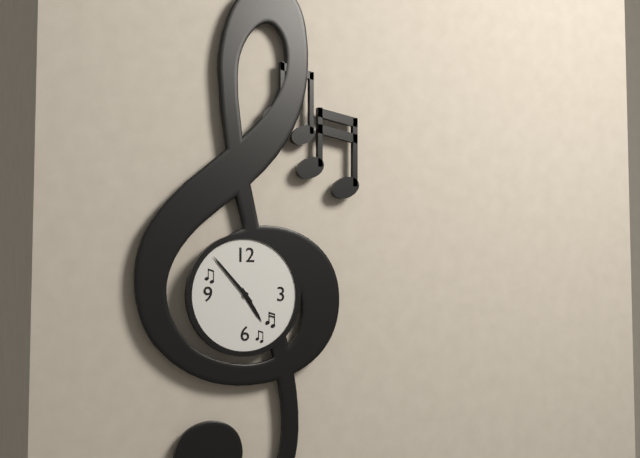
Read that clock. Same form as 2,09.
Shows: 4,53
